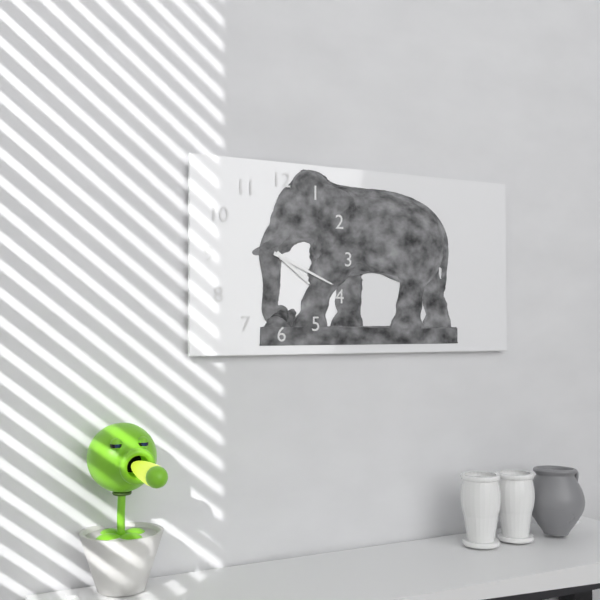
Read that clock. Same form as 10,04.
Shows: 4,19
